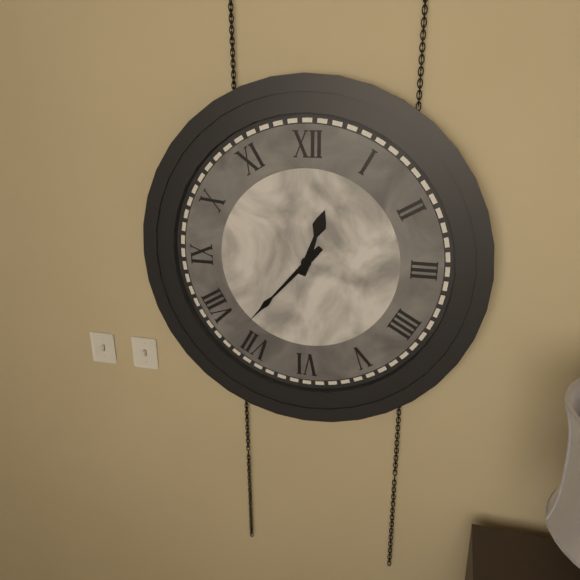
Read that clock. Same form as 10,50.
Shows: 12,37
